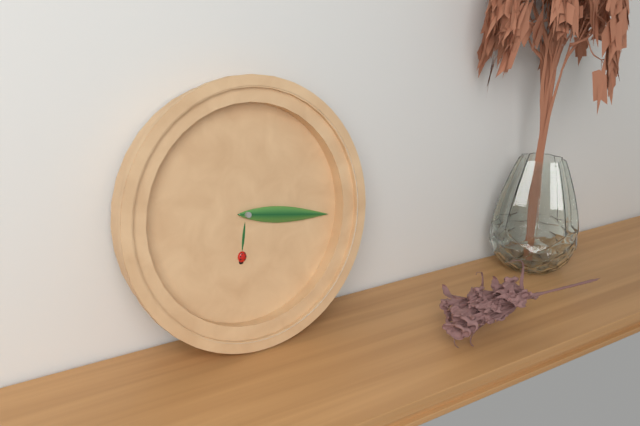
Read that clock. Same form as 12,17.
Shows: 6,16
